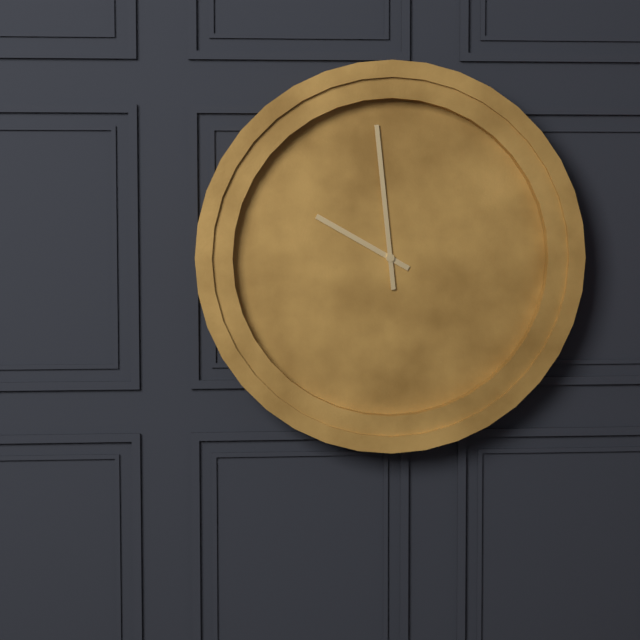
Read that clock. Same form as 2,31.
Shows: 9,59
